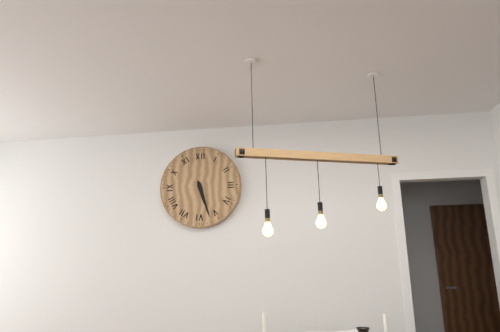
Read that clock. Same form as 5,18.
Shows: 5,27
